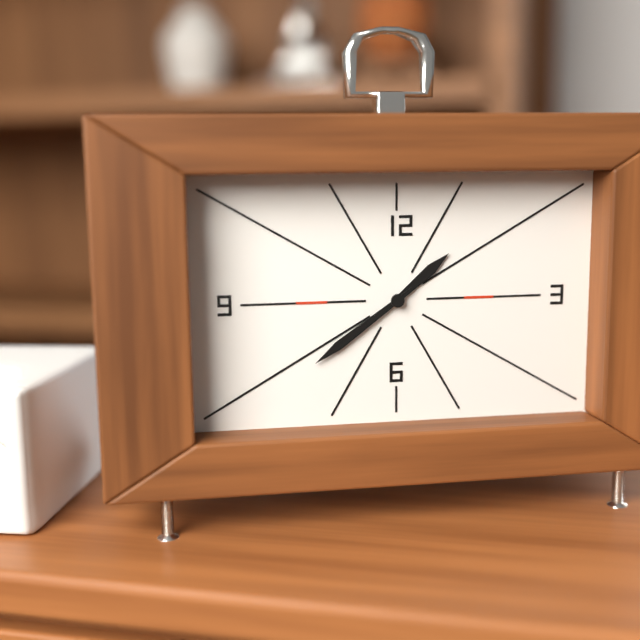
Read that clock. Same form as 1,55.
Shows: 1,39
